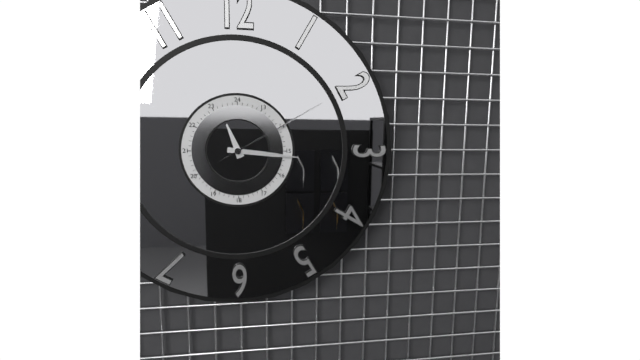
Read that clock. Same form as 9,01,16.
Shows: 11,16,10
